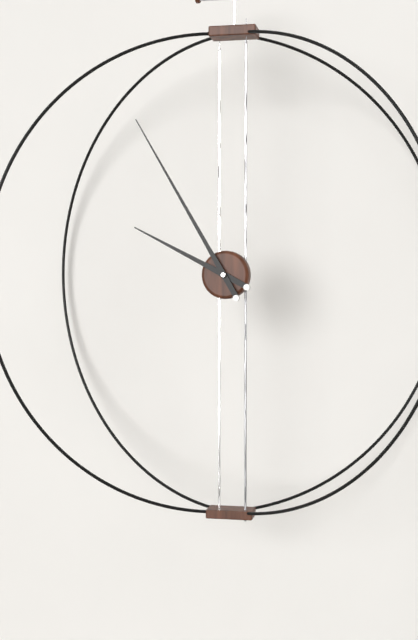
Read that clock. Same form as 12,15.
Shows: 9,55
